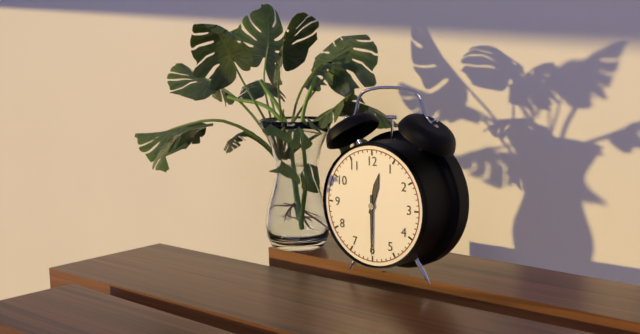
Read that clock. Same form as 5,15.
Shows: 12,30
